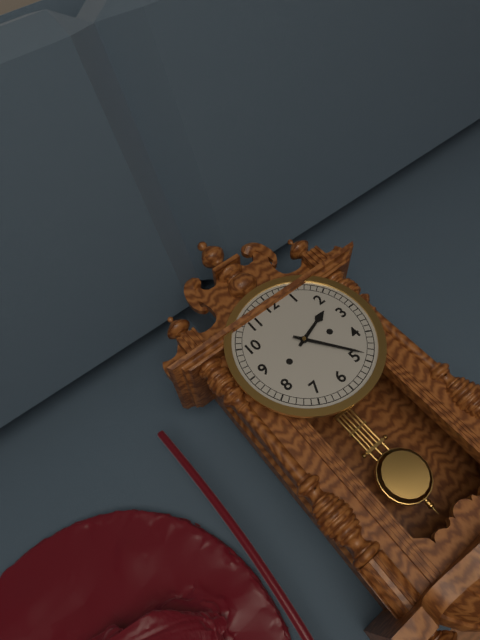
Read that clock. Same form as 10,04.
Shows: 2,24
